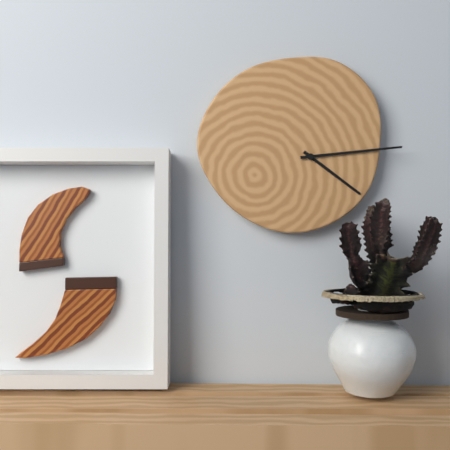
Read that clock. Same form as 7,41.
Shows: 4,14
